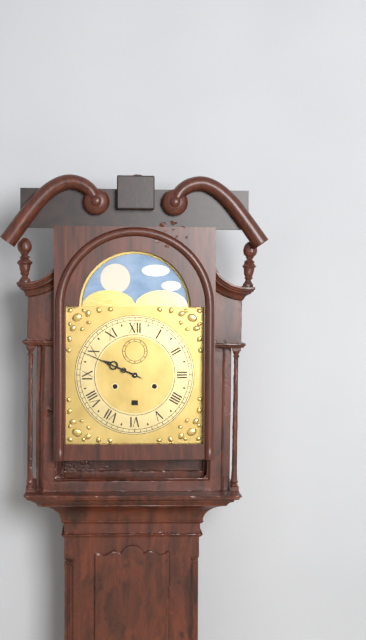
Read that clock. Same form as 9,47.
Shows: 9,49
